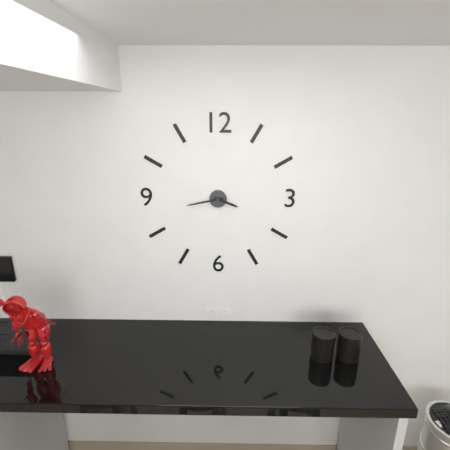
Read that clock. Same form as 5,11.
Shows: 3,43
